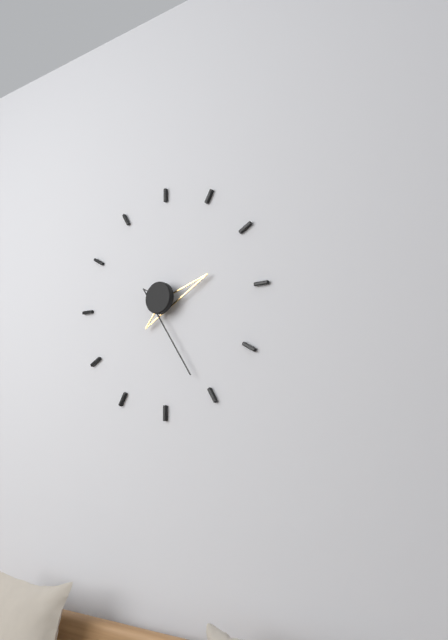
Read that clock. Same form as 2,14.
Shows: 2,26
